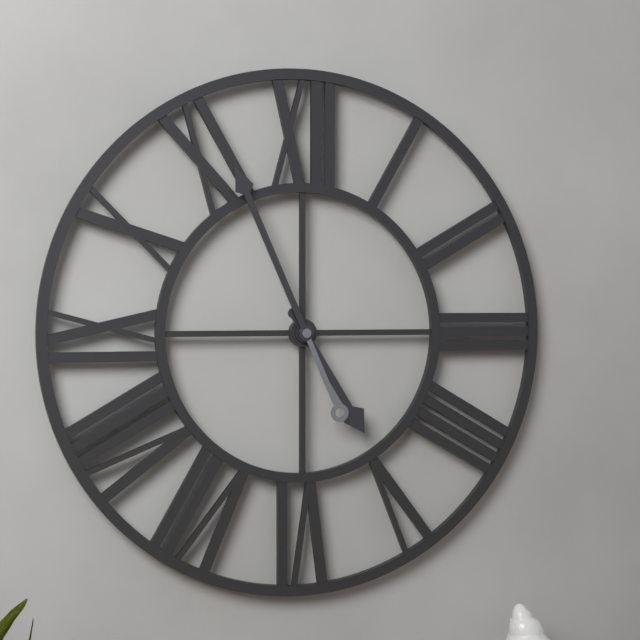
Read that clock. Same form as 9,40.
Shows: 4,56
